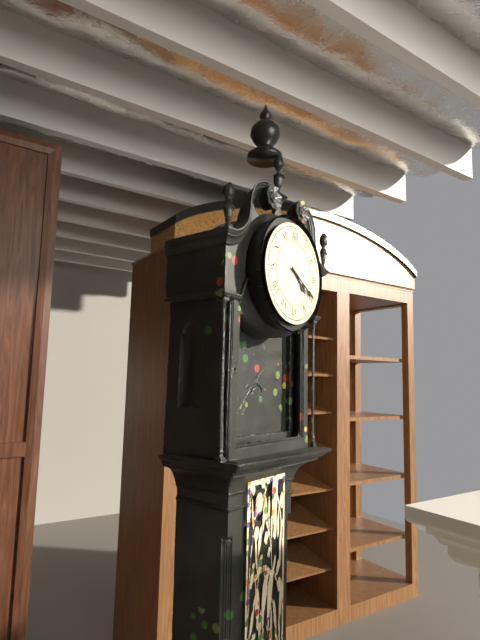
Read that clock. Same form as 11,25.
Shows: 4,20
